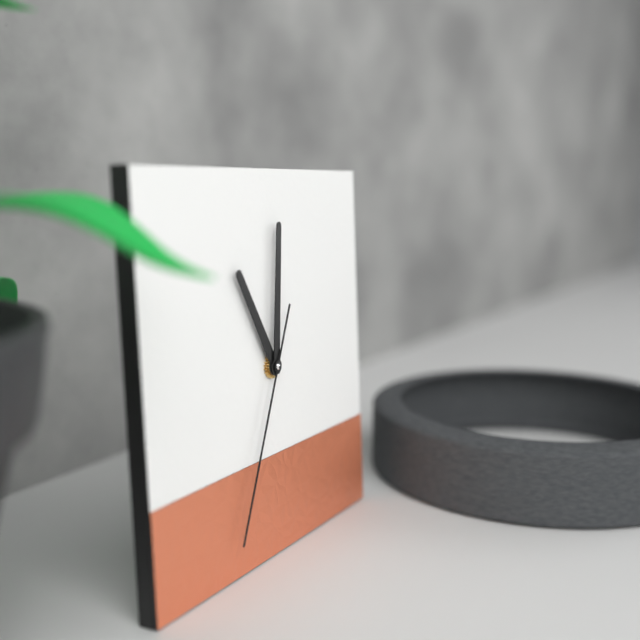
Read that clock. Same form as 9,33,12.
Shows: 11,01,34
